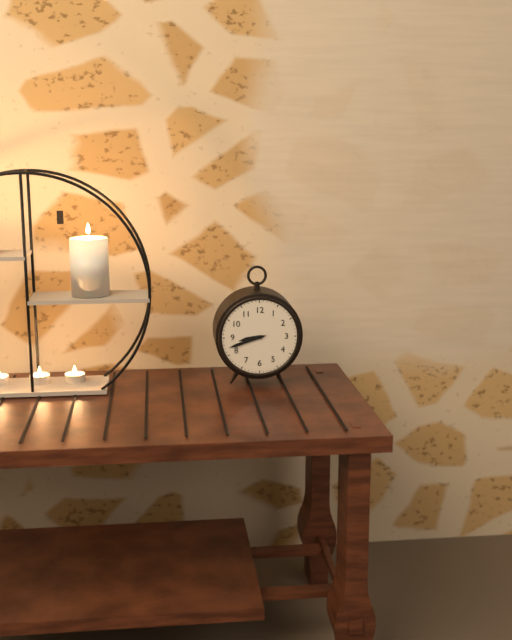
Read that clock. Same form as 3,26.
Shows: 8,42
